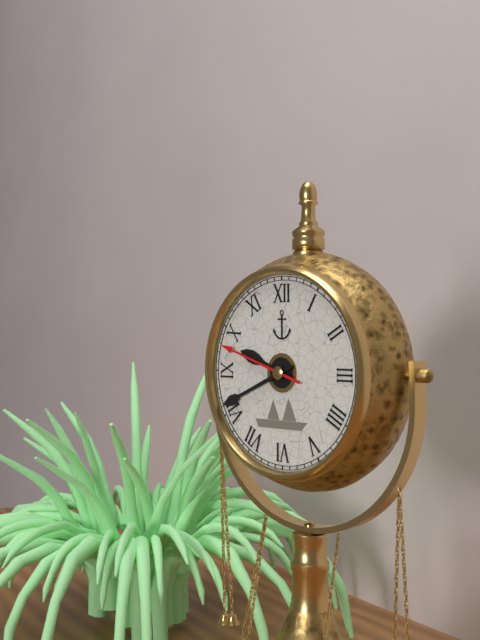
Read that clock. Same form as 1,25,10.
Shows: 9,41,48
